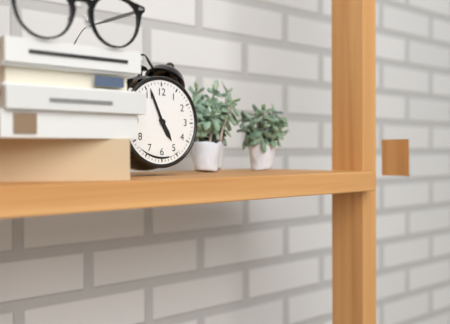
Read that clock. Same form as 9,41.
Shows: 4,56
